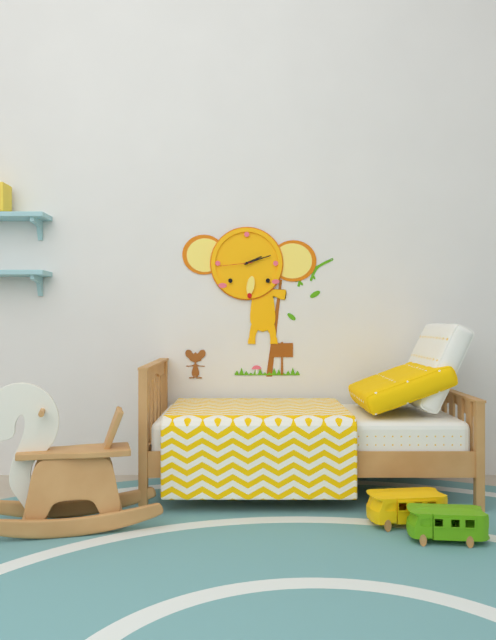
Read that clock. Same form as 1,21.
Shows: 2,12
